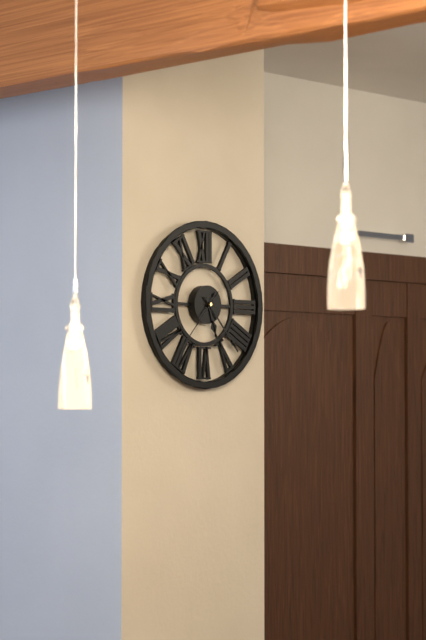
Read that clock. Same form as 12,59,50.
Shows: 5,23,37
